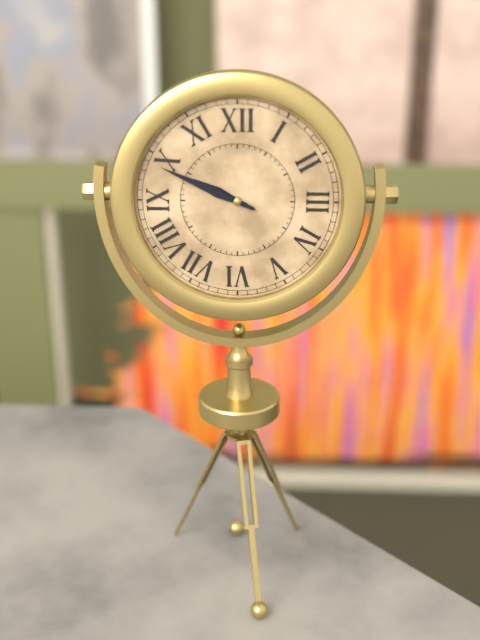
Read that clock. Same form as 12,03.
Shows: 9,49
